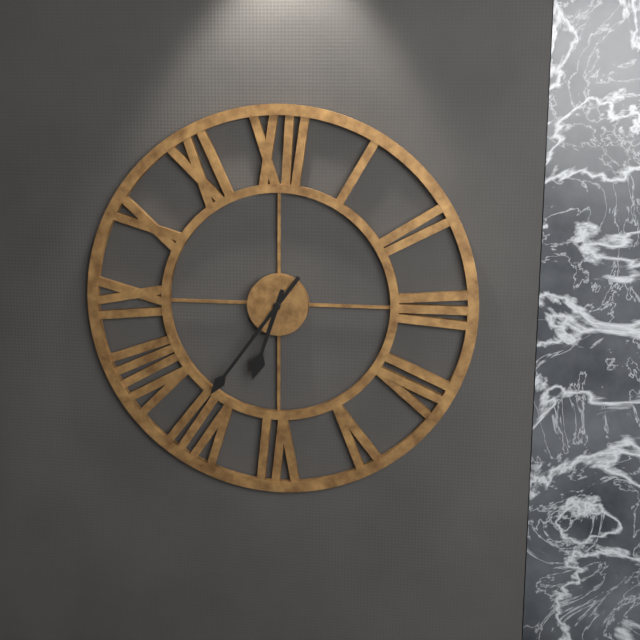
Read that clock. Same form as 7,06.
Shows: 6,36
